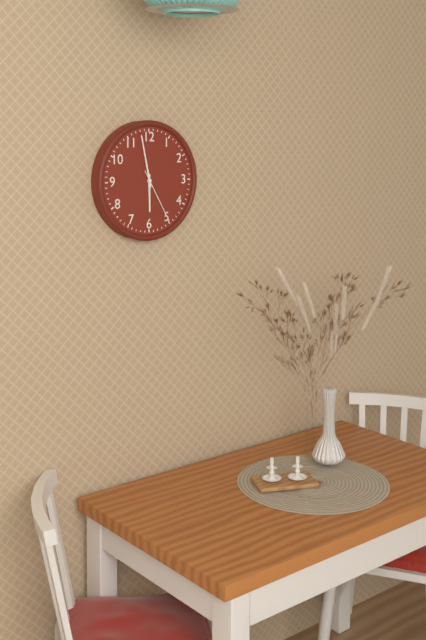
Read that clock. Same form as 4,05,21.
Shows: 5,58,25
